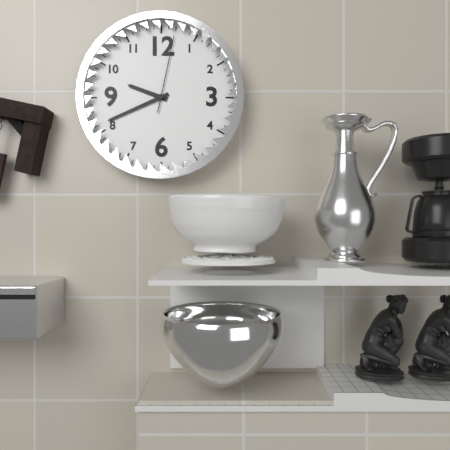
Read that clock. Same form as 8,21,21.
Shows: 9,41,02
